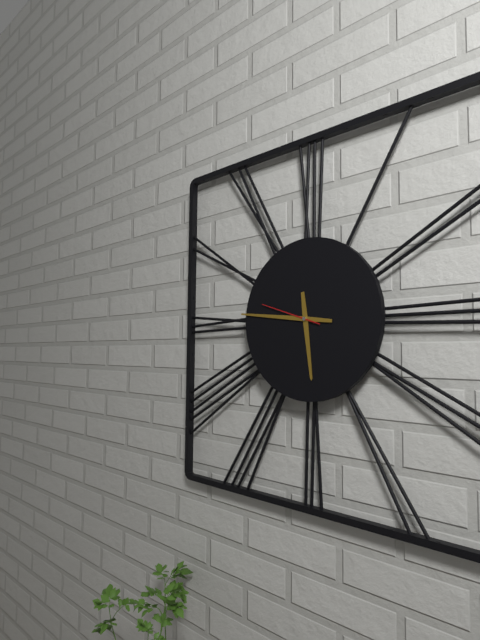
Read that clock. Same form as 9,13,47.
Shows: 5,46,48
